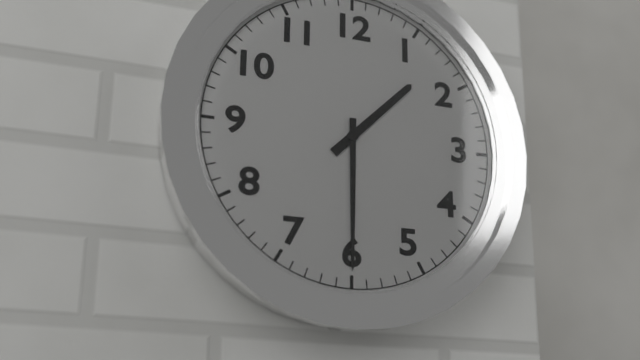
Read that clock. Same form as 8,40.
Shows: 1,30
